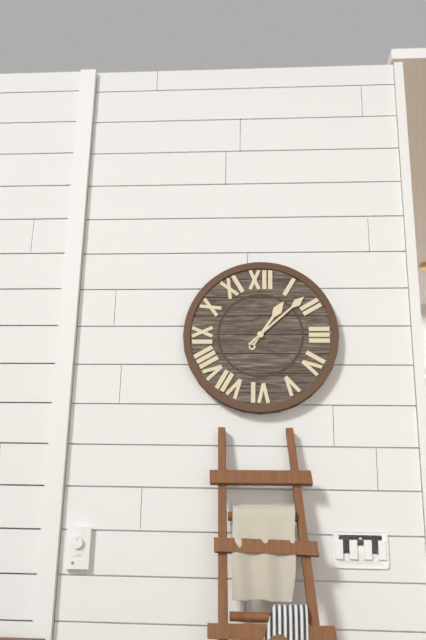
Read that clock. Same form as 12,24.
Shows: 1,08
